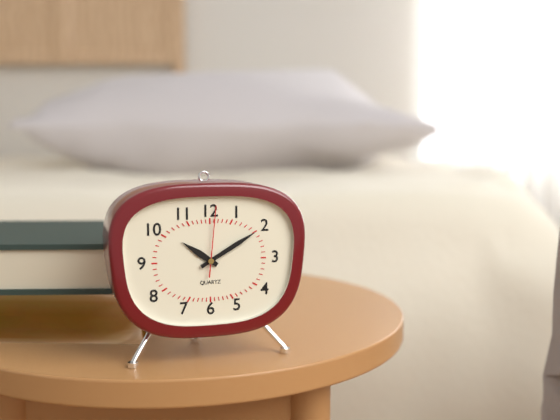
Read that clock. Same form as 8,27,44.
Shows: 10,10,01
